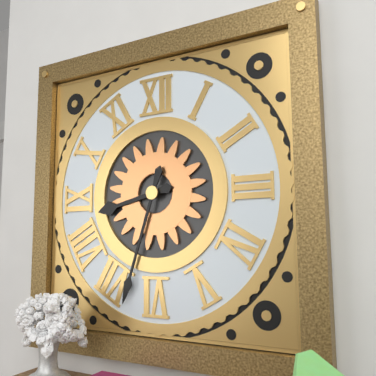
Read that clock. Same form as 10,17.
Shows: 8,33
